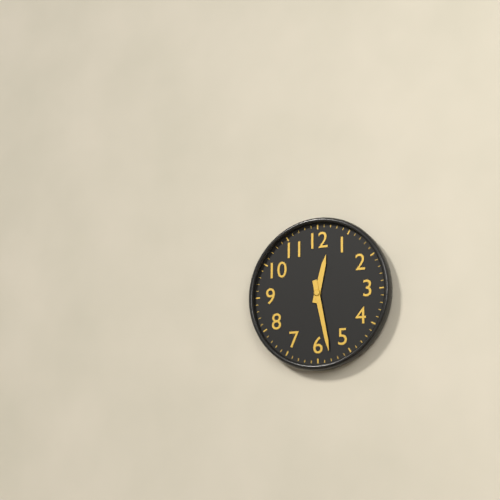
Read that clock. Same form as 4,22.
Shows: 12,28
